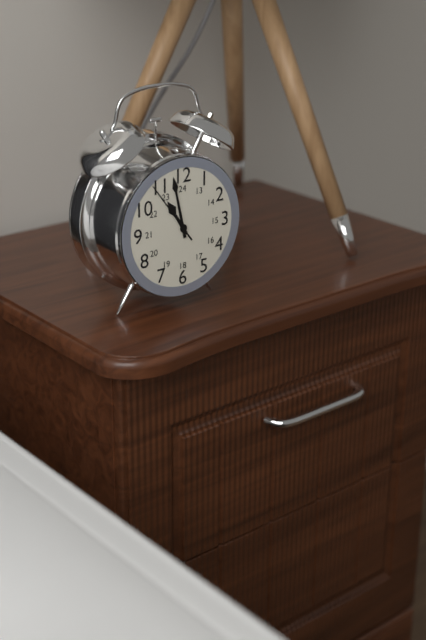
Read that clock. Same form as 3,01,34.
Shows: 10,58,54
